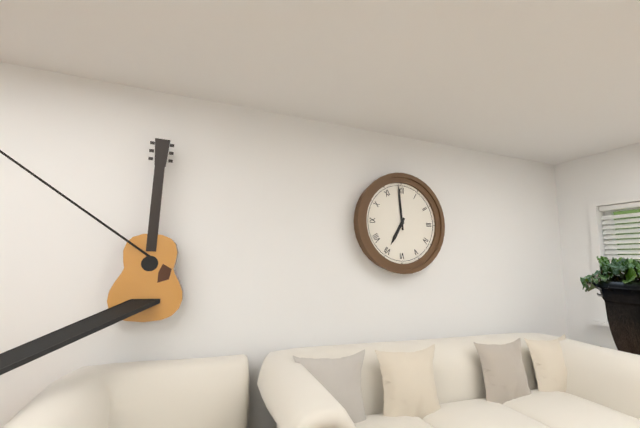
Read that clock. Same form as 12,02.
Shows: 6,59
